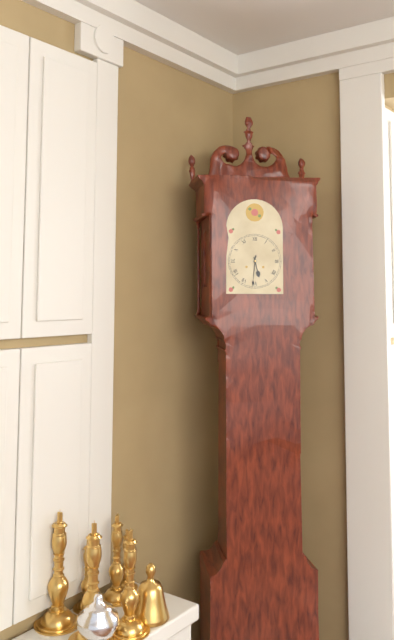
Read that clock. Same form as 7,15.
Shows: 5,31
